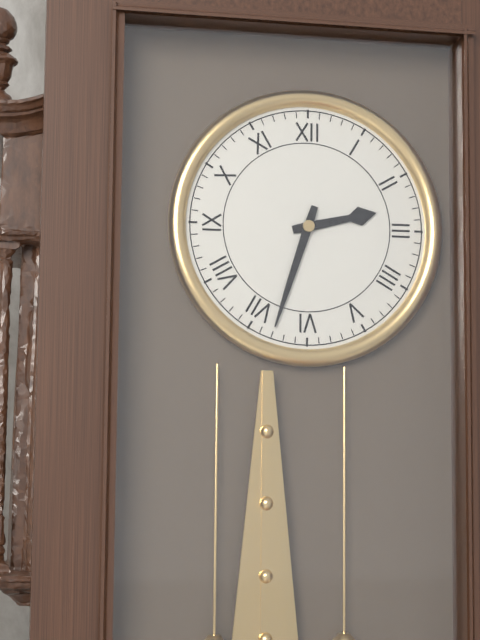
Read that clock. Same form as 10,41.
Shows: 2,33
